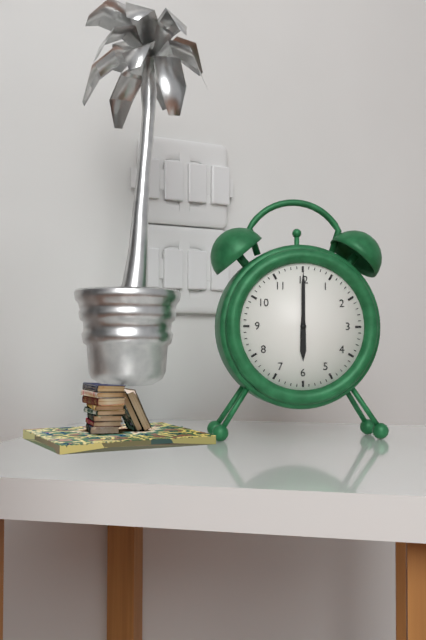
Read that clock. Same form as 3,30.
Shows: 6,00
